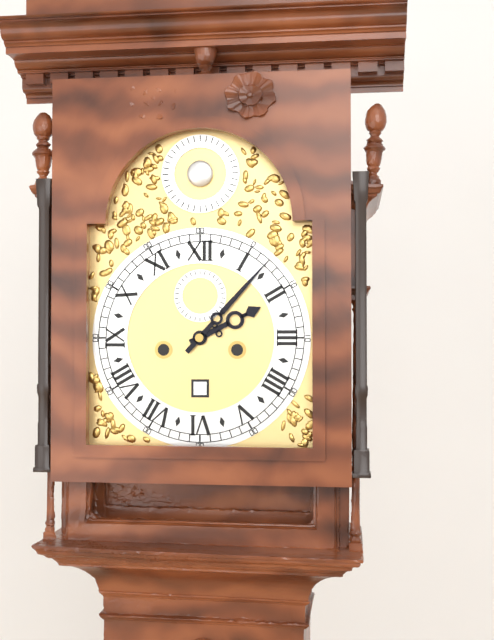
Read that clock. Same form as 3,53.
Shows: 2,07
